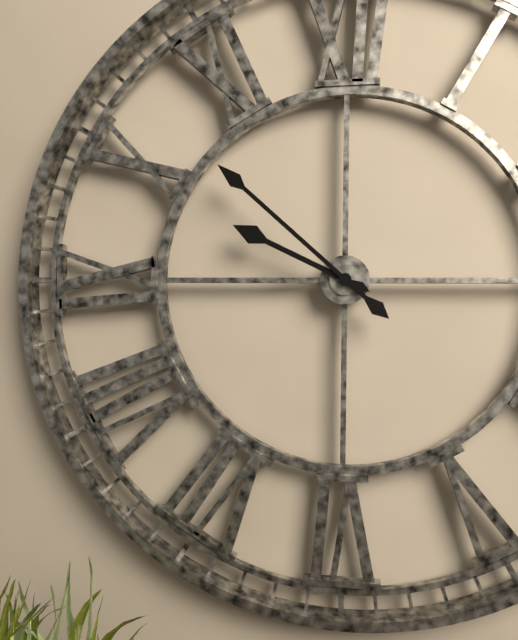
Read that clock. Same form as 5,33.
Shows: 9,52
